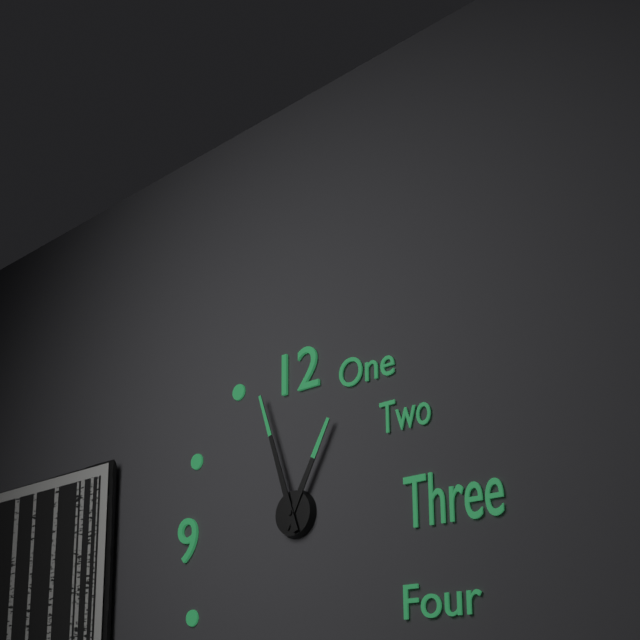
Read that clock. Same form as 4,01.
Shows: 12,57
